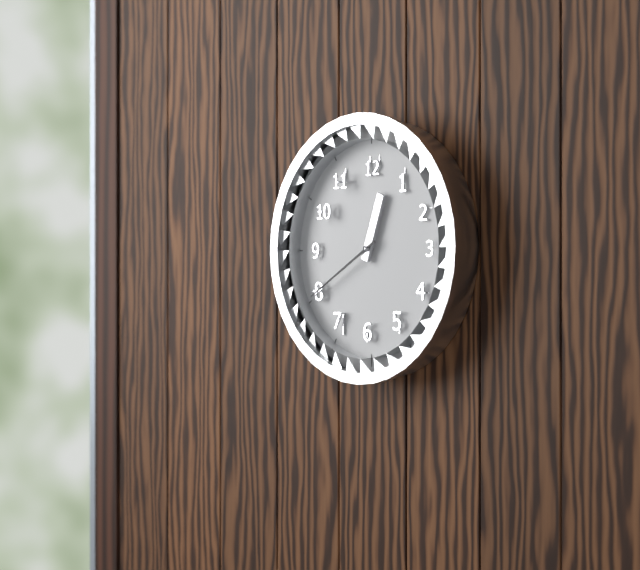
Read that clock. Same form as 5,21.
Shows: 12,40
